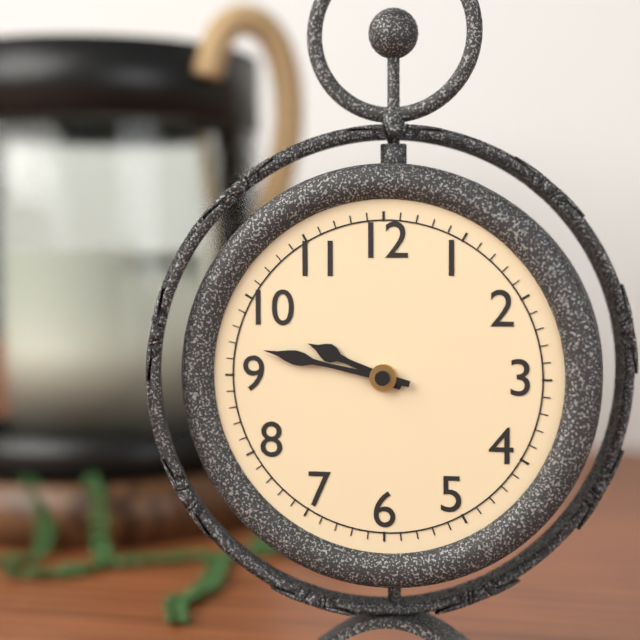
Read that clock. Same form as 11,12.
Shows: 9,47
